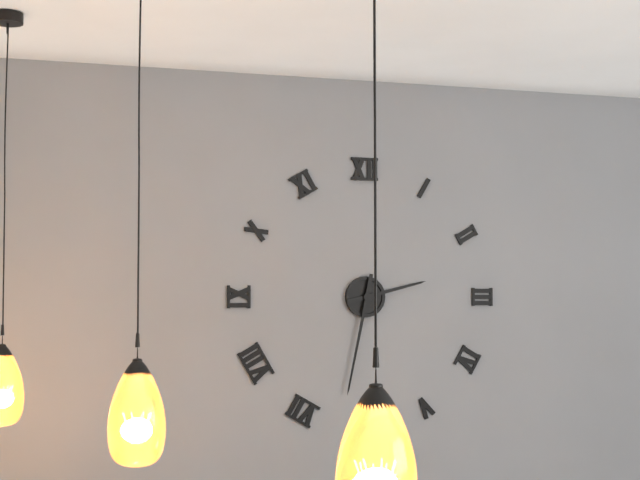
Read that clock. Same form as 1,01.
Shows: 2,32
